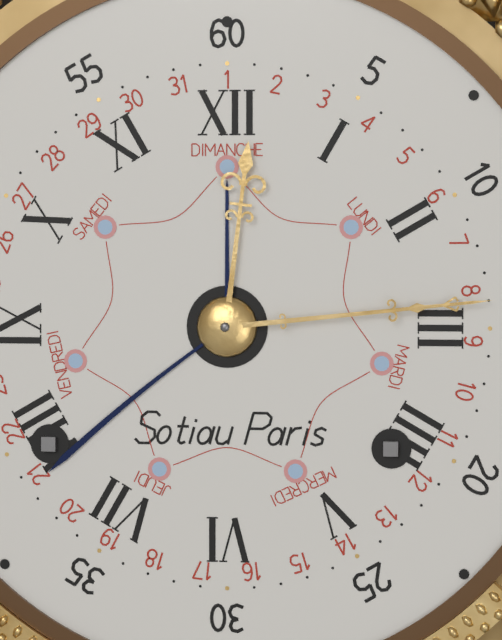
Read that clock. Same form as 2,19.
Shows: 12,14
